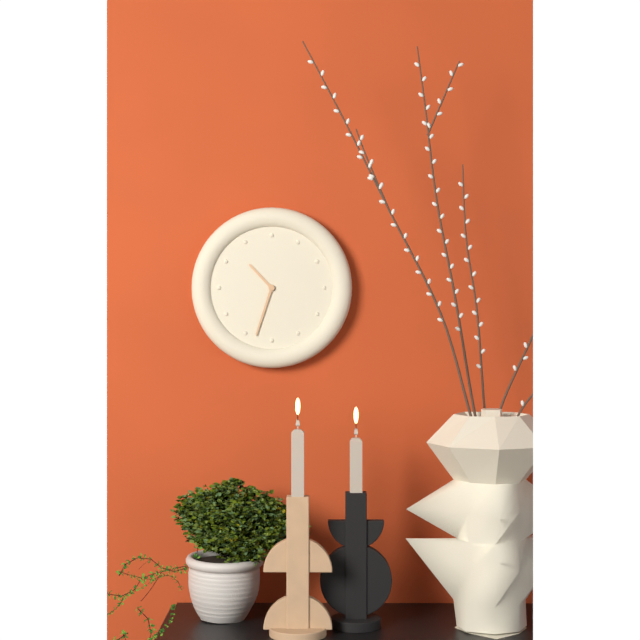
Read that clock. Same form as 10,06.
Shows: 10,33
